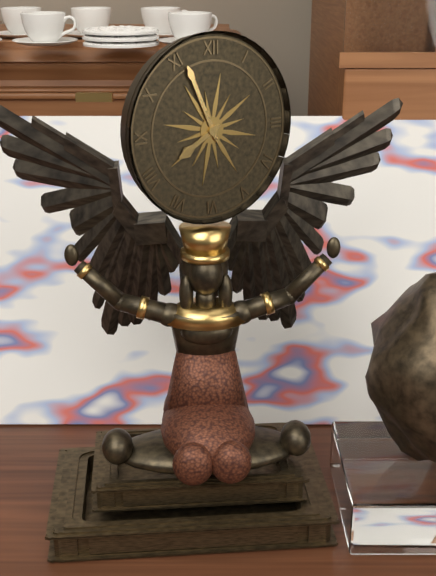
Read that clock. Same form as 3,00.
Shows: 7,56
